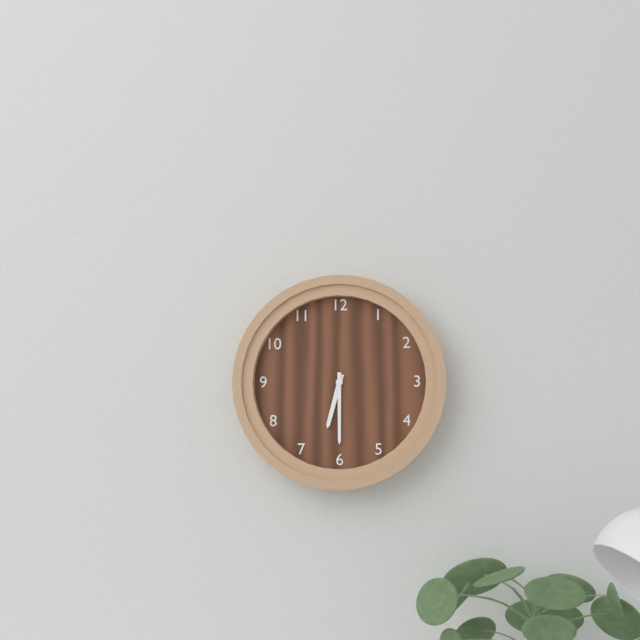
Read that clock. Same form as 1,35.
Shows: 6,30
